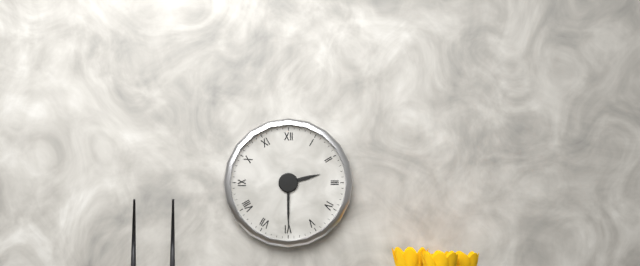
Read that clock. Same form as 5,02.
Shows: 2,30
